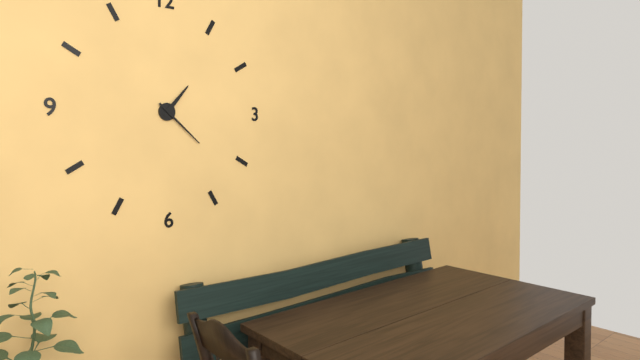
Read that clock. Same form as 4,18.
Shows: 1,22
